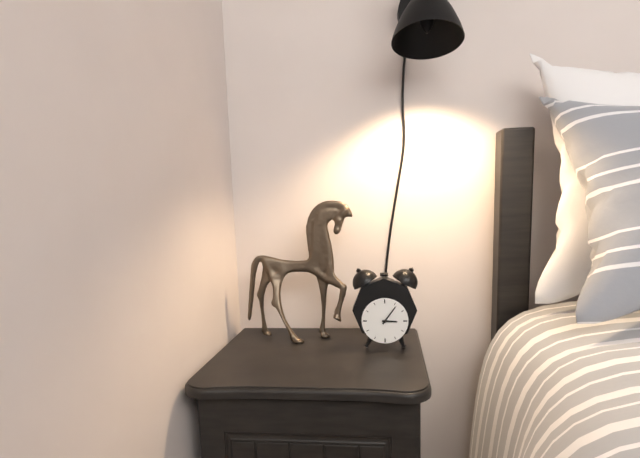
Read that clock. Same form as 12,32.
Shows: 3,06
